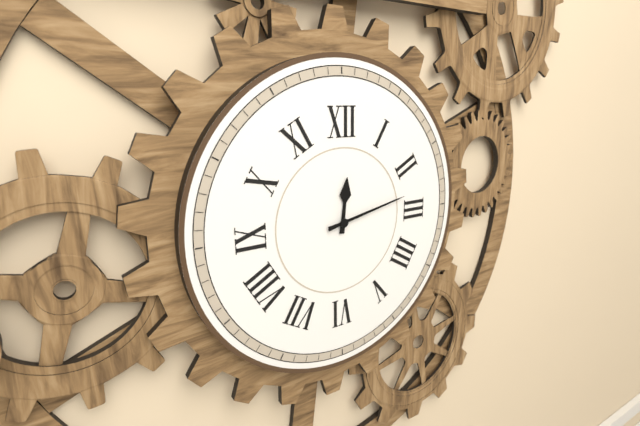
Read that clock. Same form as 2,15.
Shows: 12,13
